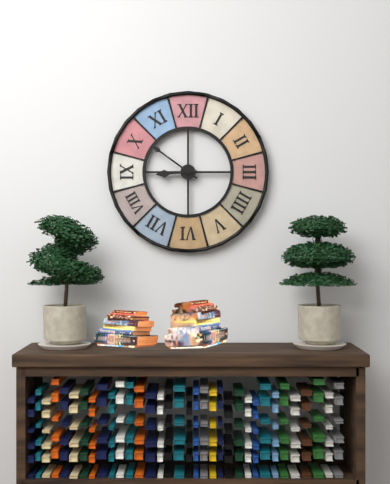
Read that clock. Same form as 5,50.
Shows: 8,51
